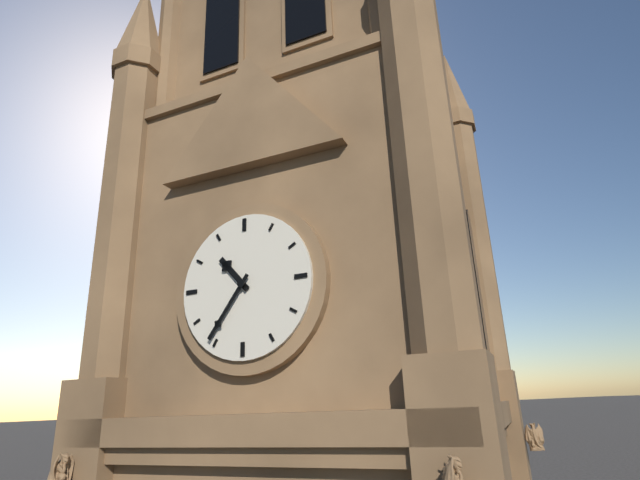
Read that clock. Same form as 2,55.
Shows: 10,36
